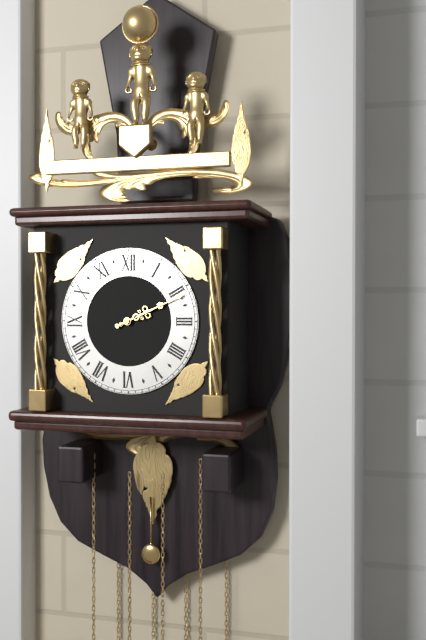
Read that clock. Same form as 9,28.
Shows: 2,11
